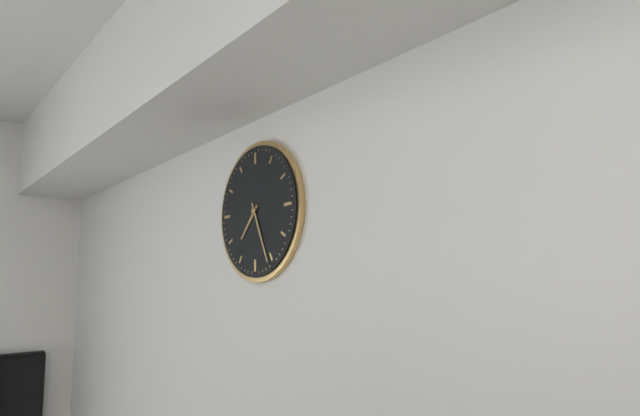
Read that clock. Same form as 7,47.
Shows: 7,26
